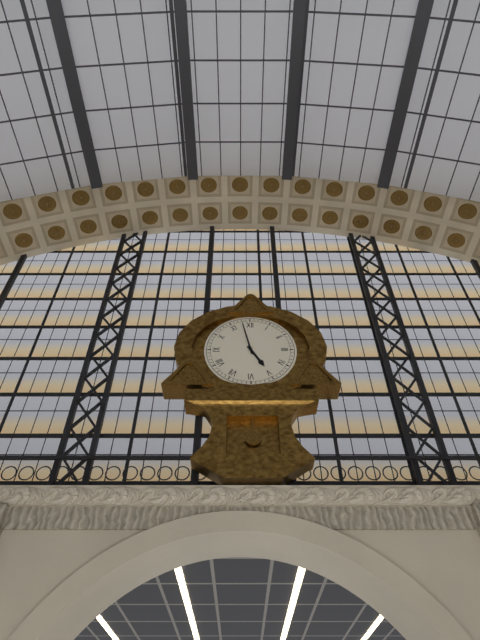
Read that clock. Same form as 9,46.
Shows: 4,58
